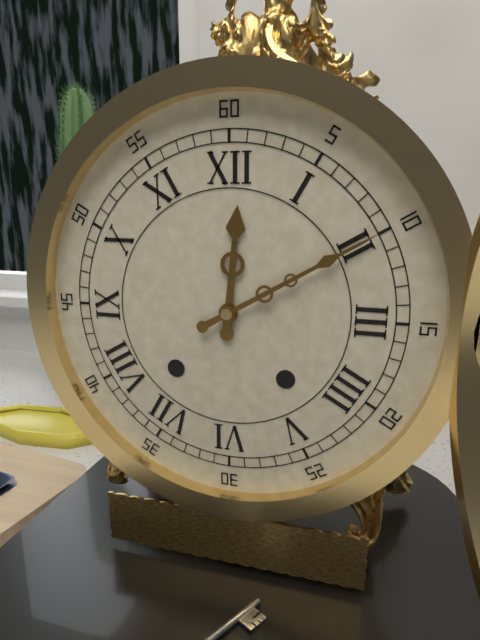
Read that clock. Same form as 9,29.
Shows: 12,10
